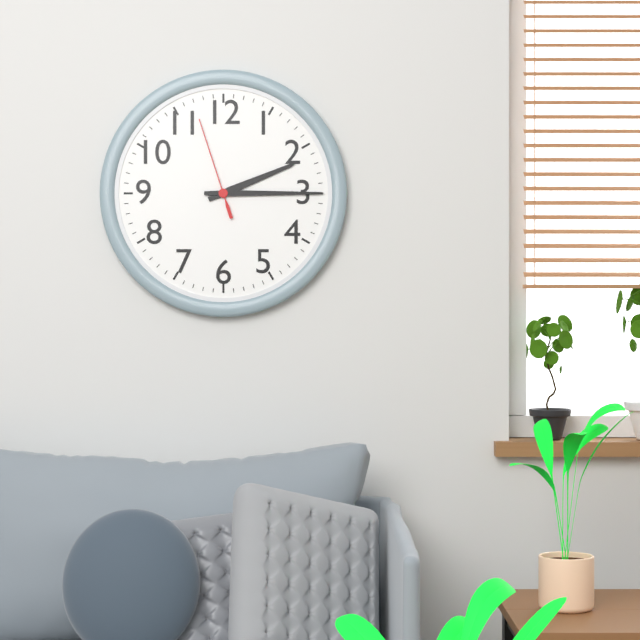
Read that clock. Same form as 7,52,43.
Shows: 2,15,57
